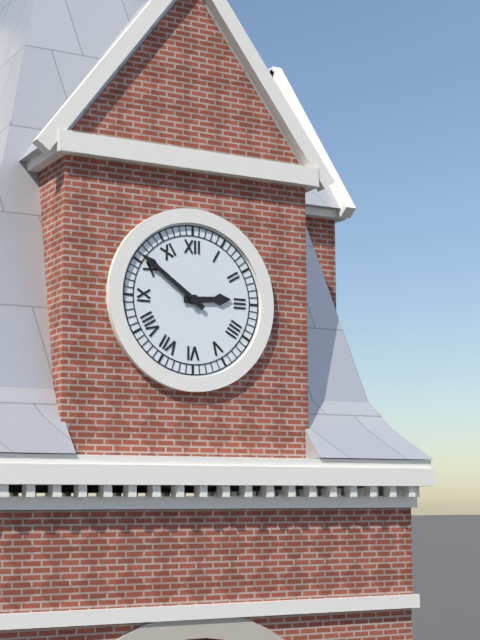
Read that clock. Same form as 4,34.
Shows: 2,51
